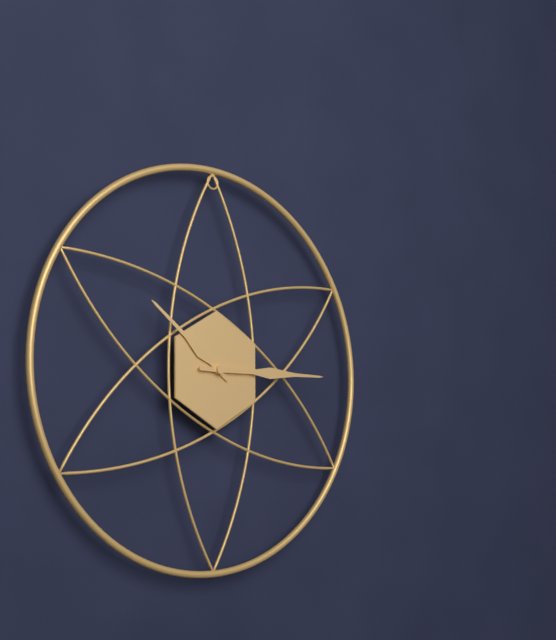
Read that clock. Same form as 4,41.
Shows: 10,15
